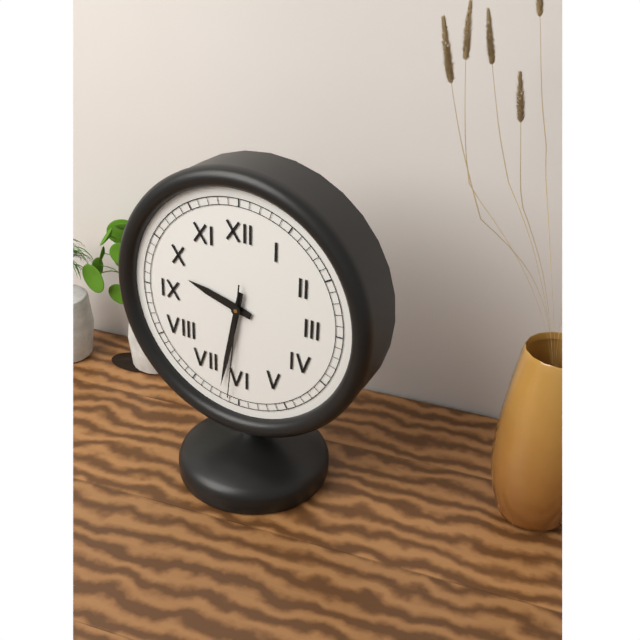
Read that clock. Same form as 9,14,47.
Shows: 9,32,31
